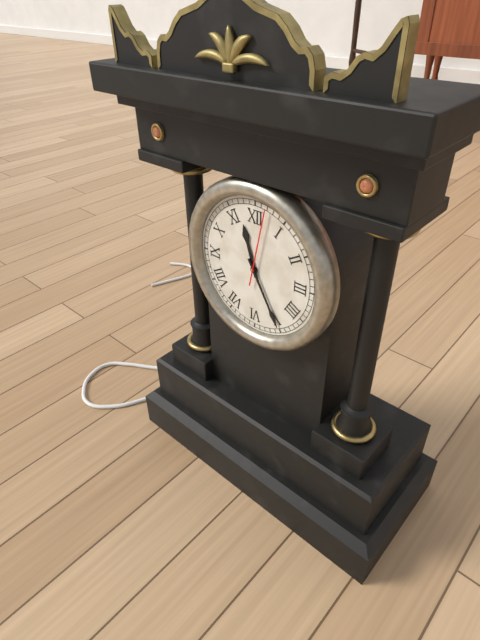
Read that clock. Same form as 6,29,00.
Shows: 11,25,02
